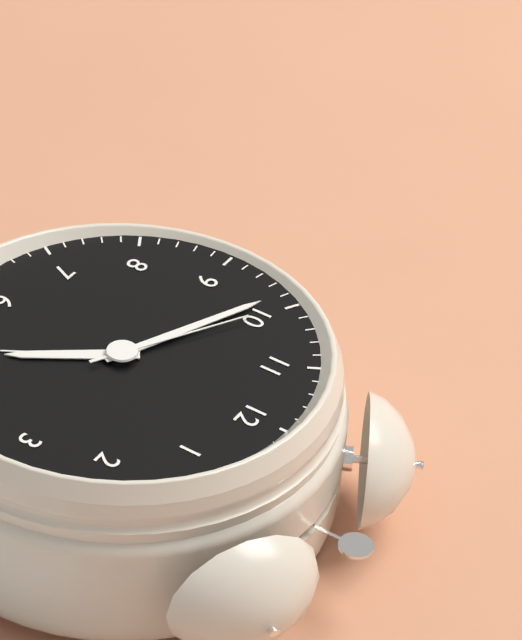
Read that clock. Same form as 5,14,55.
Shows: 4,49,50
